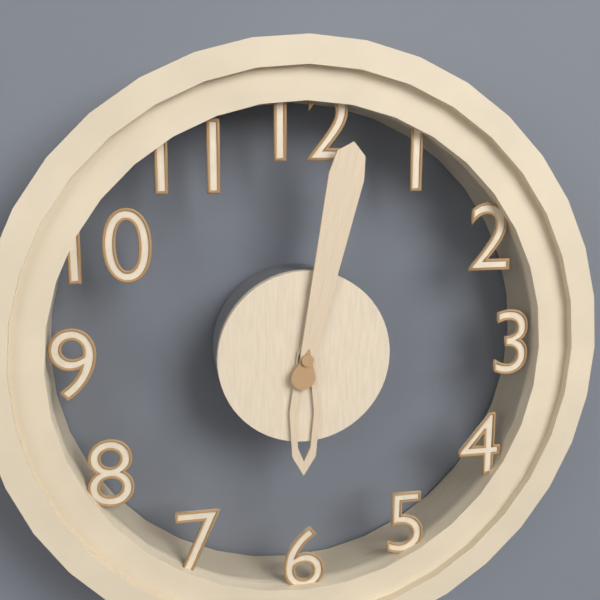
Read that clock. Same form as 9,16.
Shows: 6,02
